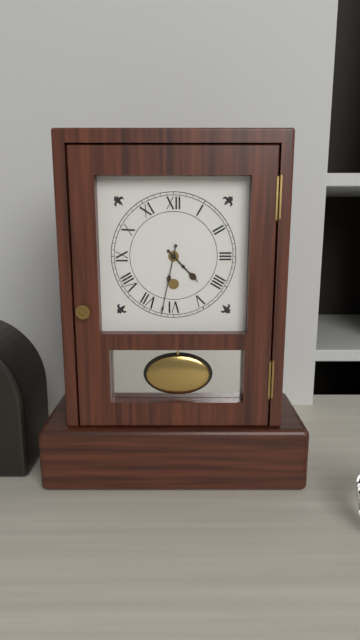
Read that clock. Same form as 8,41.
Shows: 4,32
